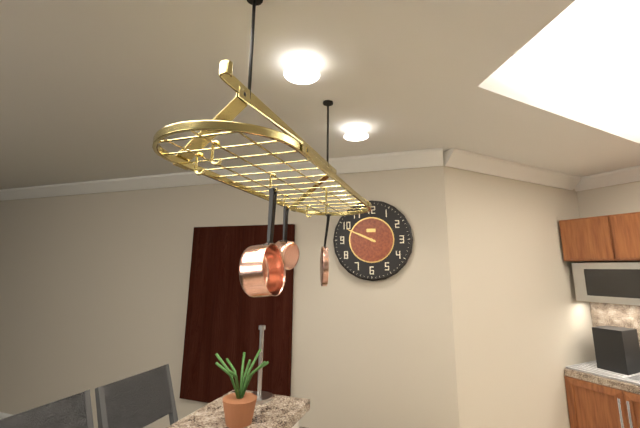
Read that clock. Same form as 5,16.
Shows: 9,49
